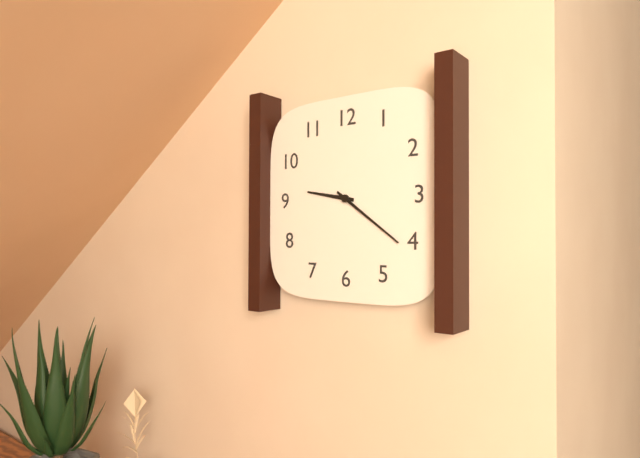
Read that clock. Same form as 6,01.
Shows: 9,21
